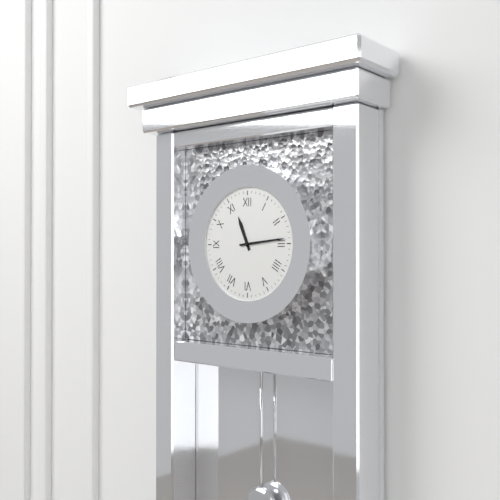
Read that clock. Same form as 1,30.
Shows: 11,14
